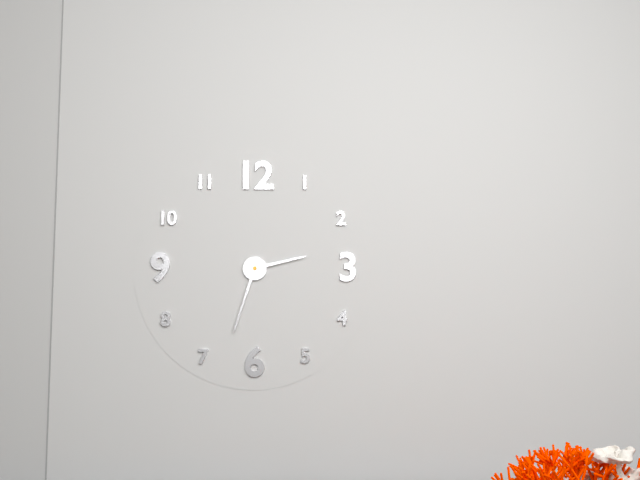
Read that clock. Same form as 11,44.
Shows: 2,33
